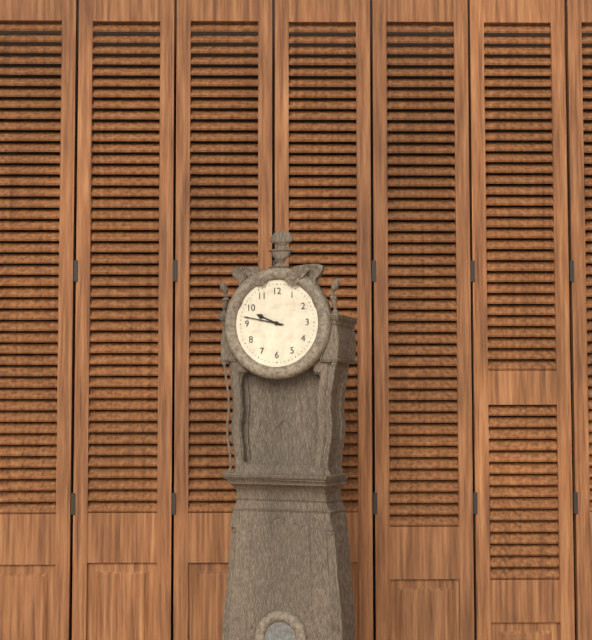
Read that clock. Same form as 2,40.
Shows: 9,47
